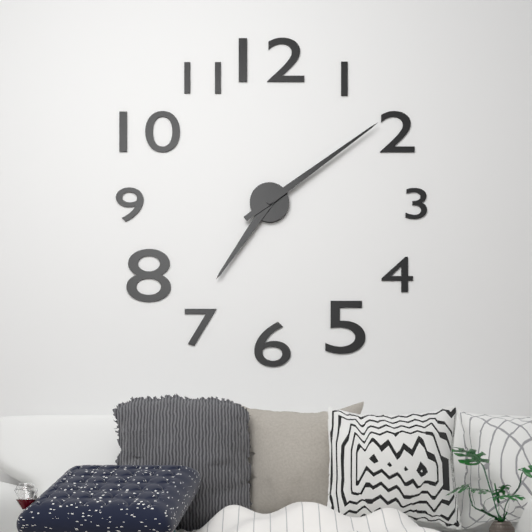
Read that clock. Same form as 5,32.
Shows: 7,09
